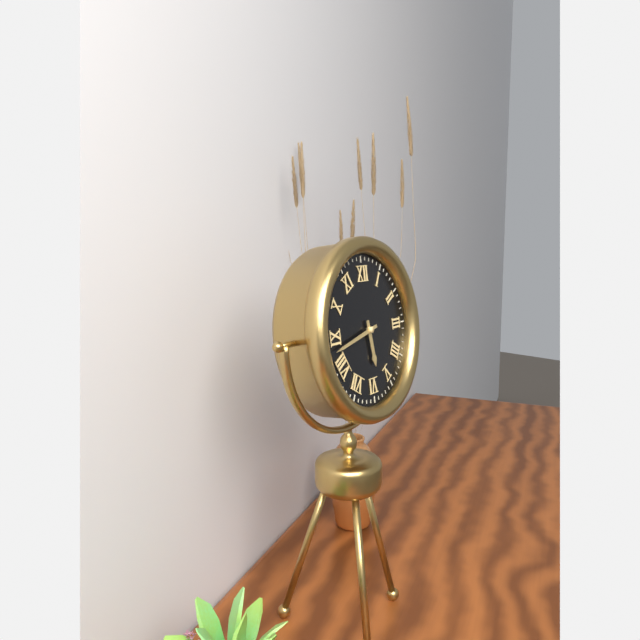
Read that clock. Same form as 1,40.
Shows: 5,43
